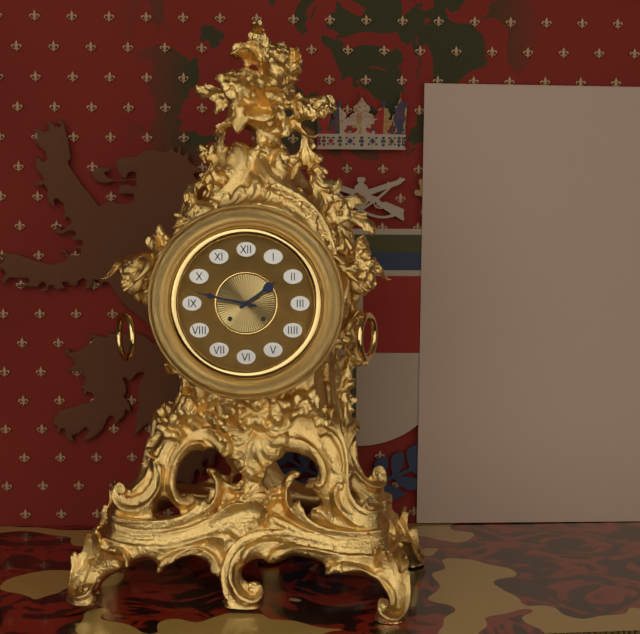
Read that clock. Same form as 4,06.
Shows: 1,47
